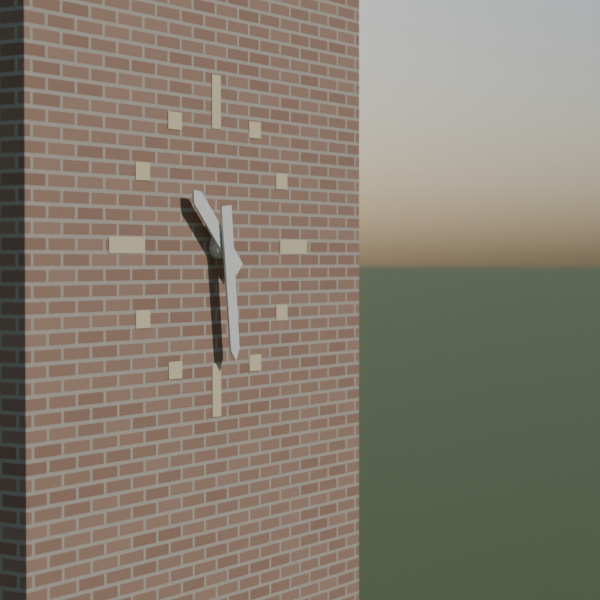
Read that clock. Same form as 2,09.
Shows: 10,29
